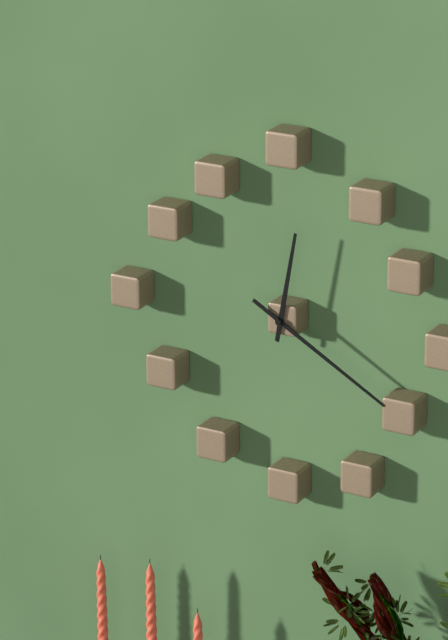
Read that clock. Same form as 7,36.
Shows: 12,20
